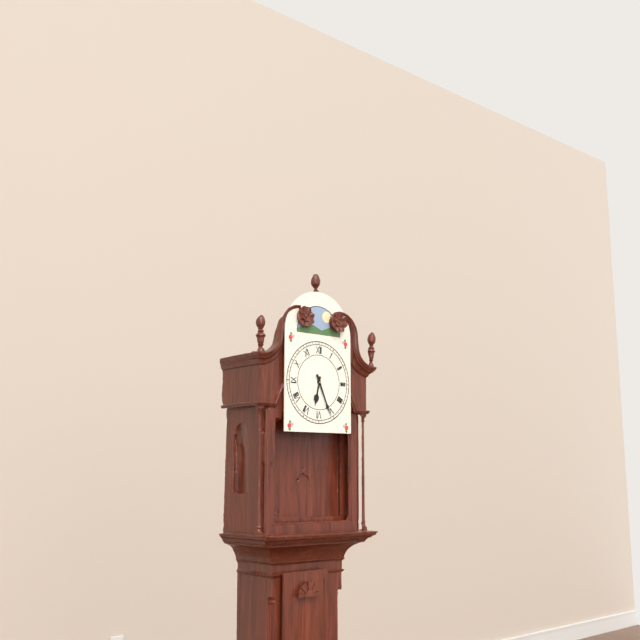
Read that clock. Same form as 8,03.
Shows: 6,26
